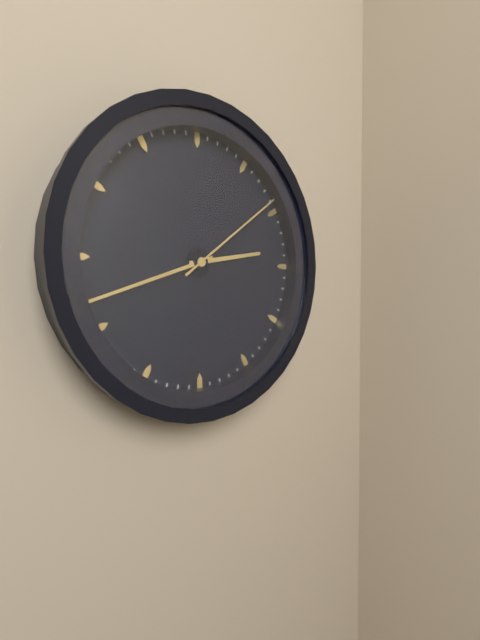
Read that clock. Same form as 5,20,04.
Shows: 2,42,09
